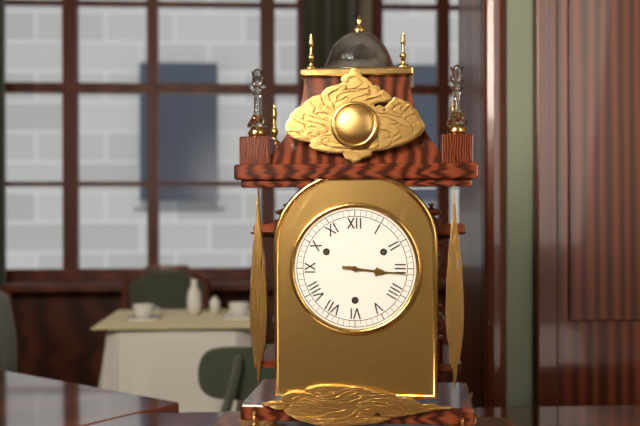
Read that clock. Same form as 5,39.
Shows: 3,16
